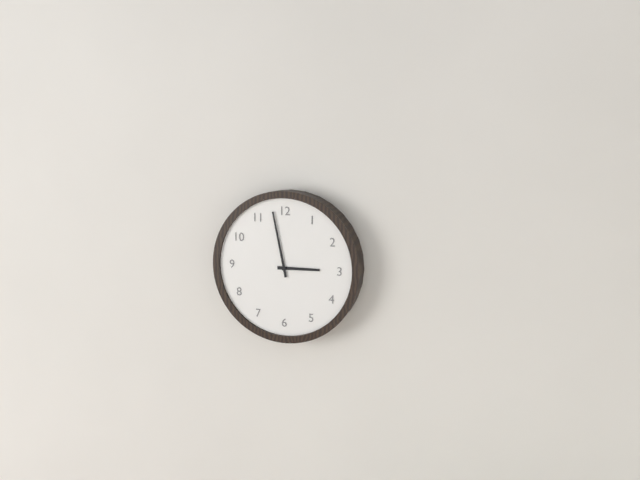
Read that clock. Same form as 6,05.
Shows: 2,58
